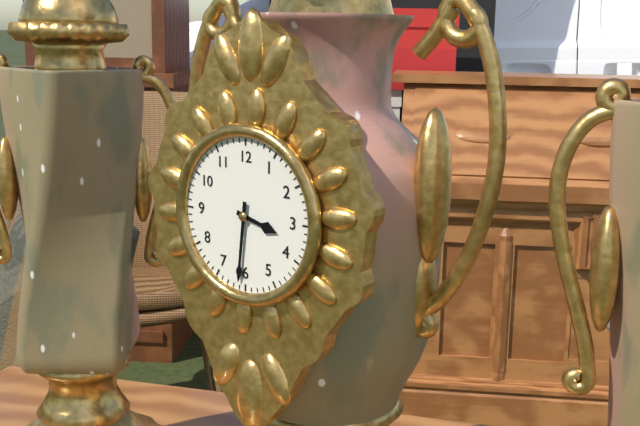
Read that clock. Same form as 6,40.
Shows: 3,31
